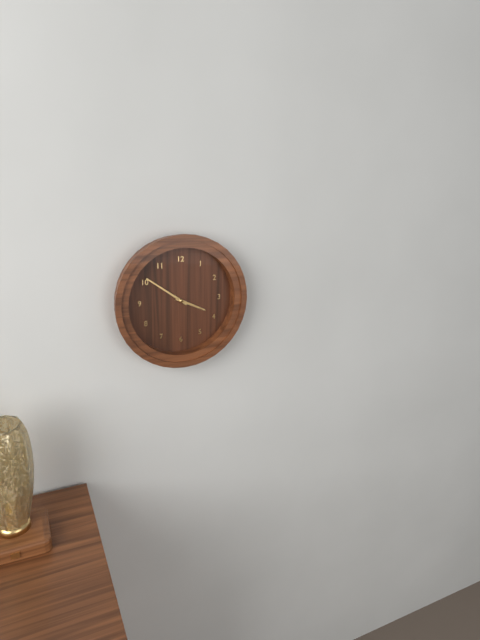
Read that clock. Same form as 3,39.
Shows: 3,51
